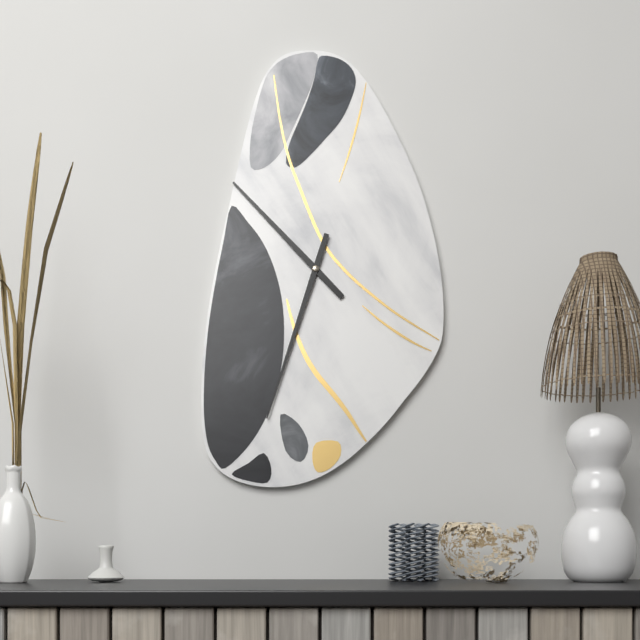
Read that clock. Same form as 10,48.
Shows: 10,33
